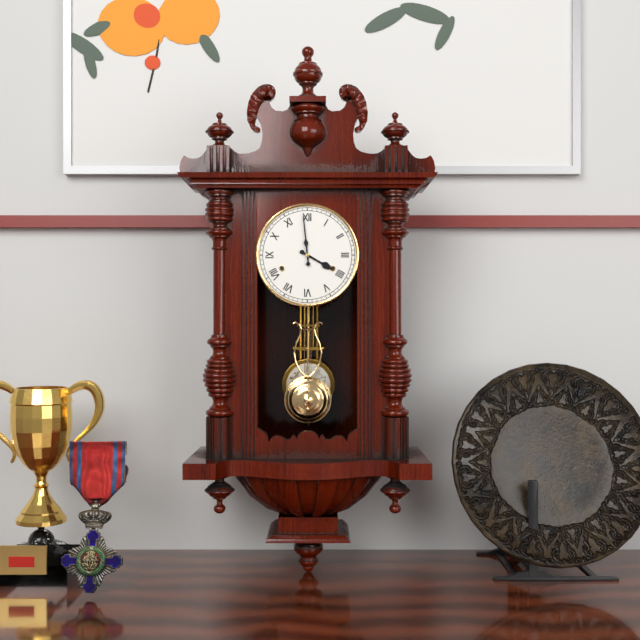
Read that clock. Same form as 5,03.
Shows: 3,59
